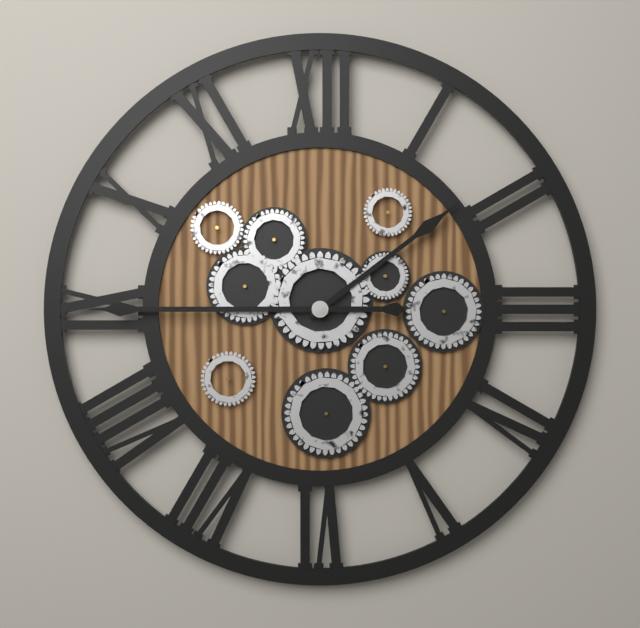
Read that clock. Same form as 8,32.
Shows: 1,45
